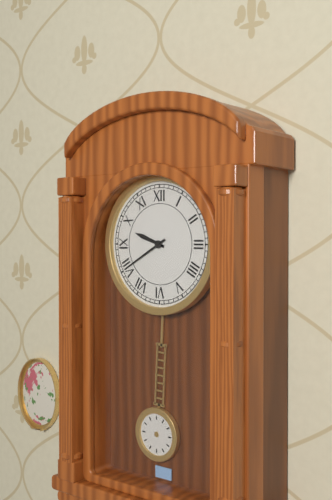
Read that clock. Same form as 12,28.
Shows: 9,40
